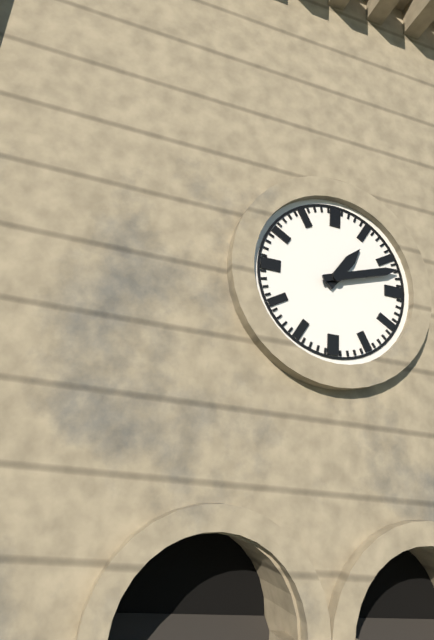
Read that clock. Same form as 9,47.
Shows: 1,12
